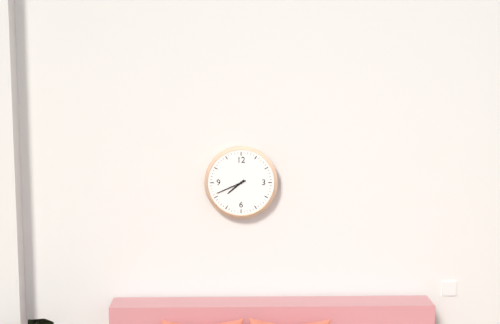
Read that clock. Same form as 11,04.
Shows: 7,41
